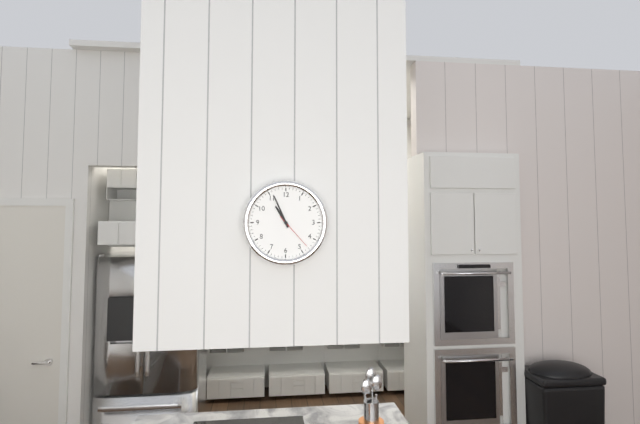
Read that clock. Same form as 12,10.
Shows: 10,56
